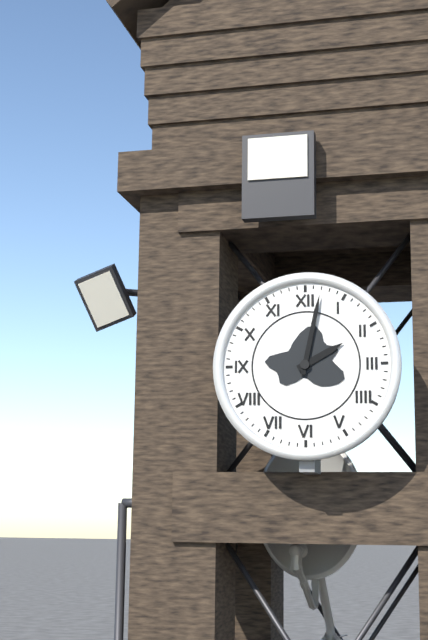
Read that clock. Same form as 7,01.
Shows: 2,02
